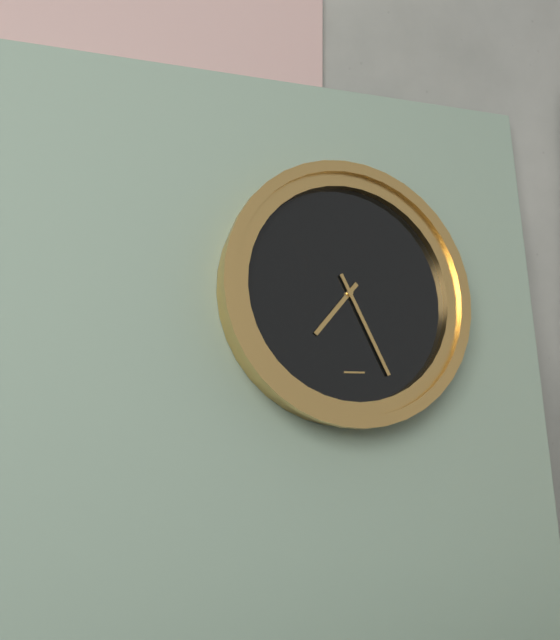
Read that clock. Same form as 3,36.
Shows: 7,26
